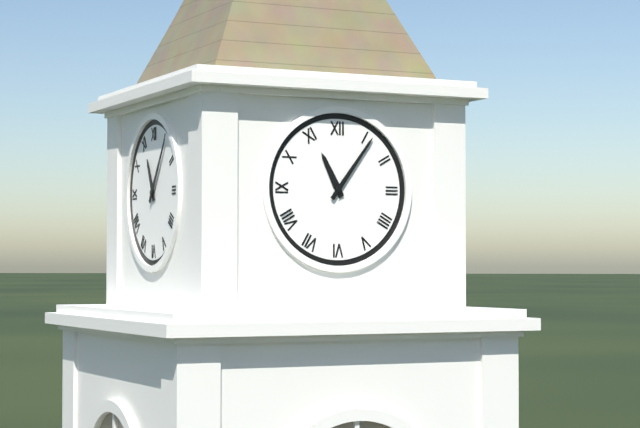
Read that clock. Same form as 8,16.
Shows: 11,06
